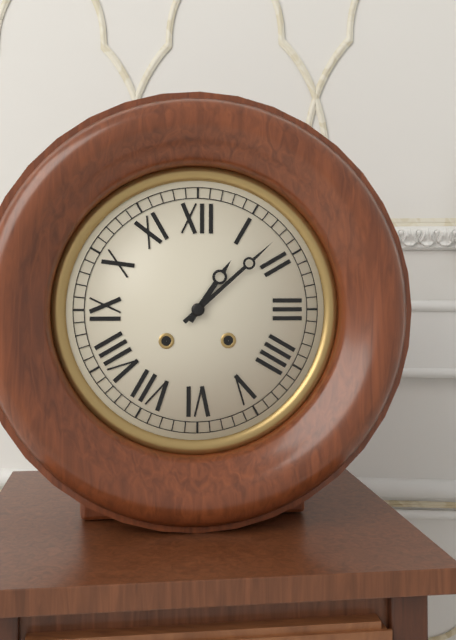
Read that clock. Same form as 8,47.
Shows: 1,08
